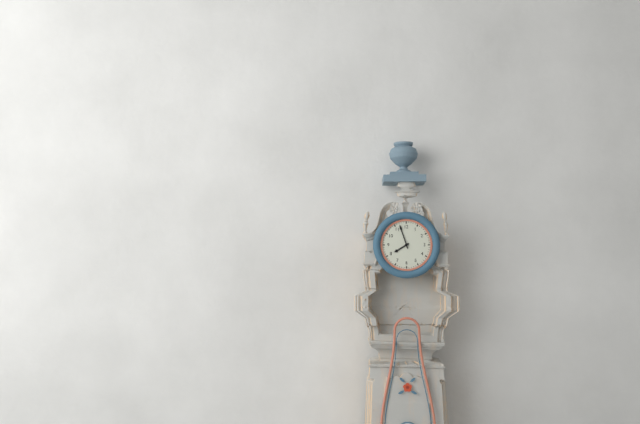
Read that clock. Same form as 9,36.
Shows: 7,57
